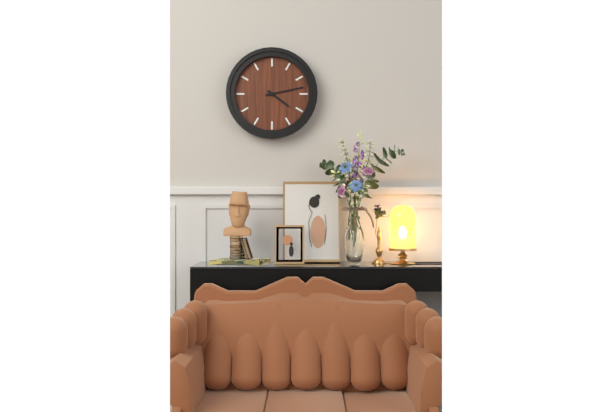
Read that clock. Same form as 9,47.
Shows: 4,13
